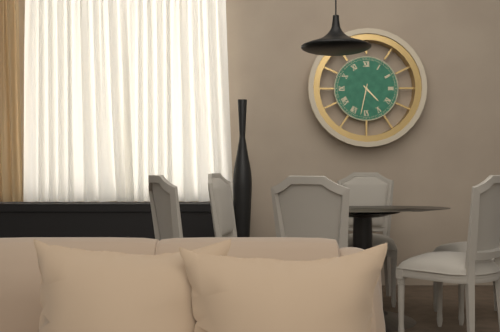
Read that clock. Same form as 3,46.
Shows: 4,32
